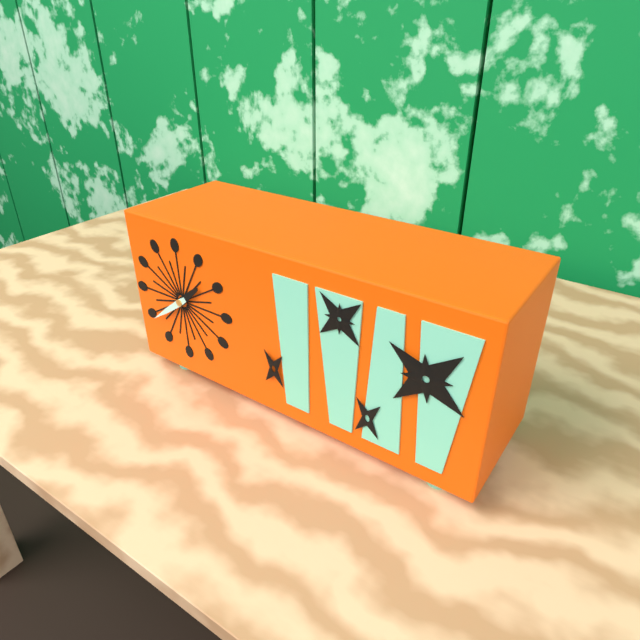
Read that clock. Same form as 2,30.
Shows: 1,39
